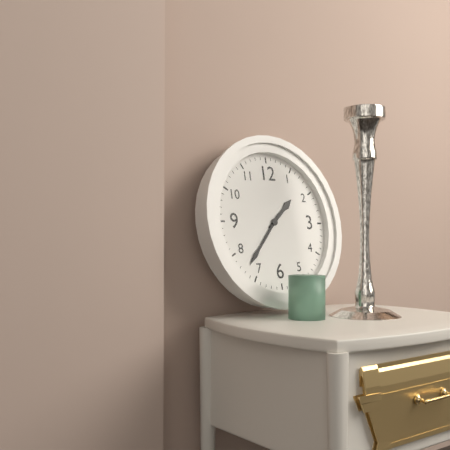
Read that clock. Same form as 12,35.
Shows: 1,37
